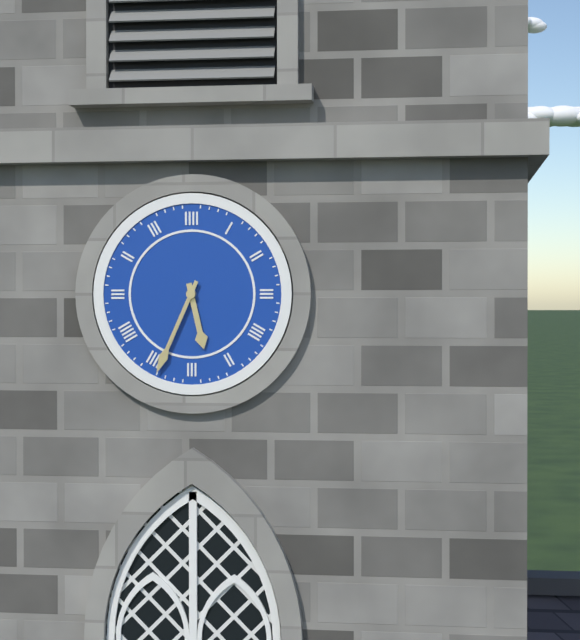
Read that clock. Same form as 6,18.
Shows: 5,34
